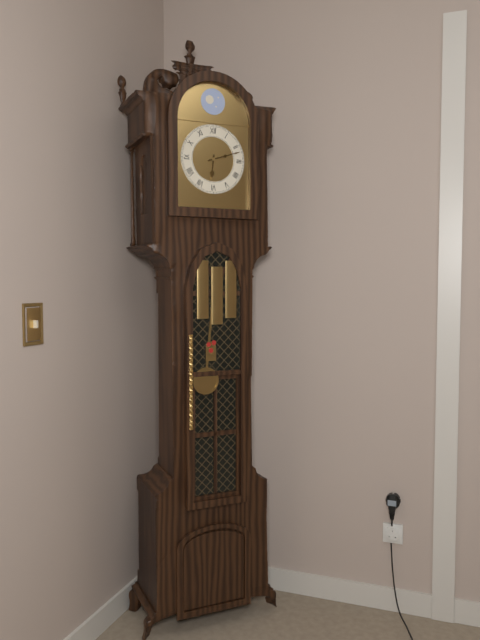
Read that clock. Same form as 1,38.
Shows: 6,12
